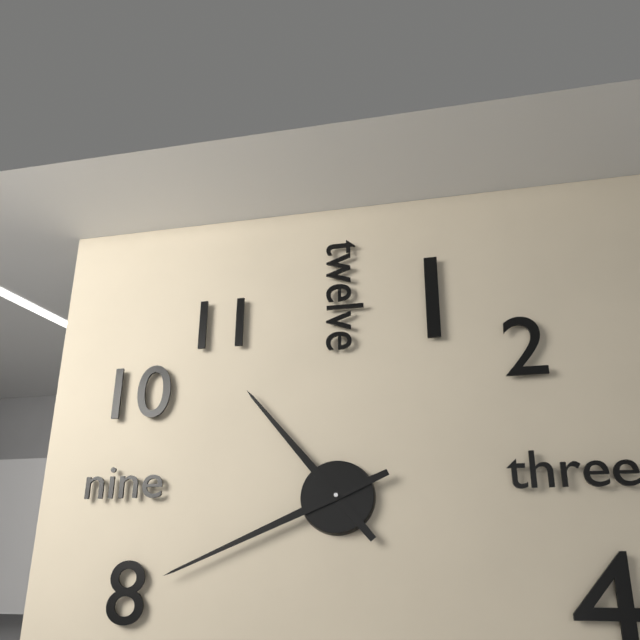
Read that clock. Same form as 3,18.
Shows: 10,41
